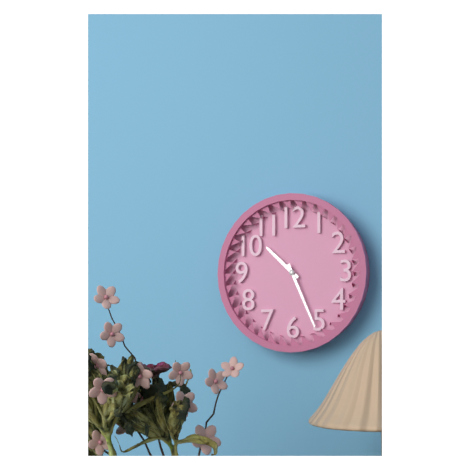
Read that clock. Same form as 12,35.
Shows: 10,26
